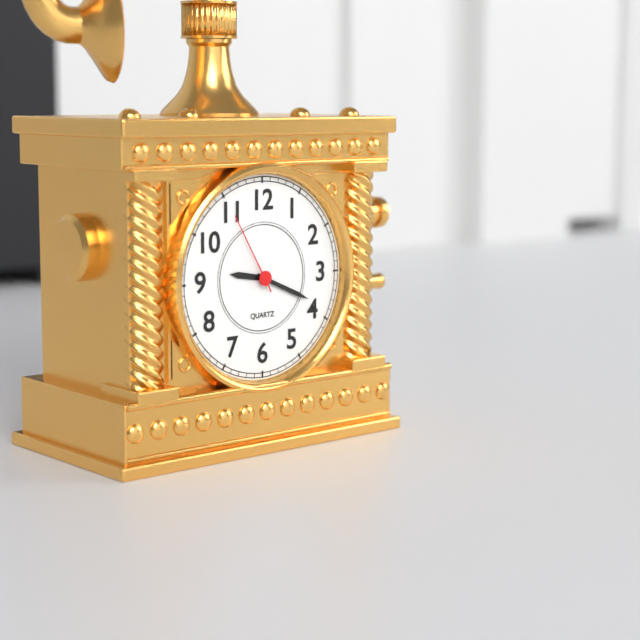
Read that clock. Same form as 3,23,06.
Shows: 9,19,55
